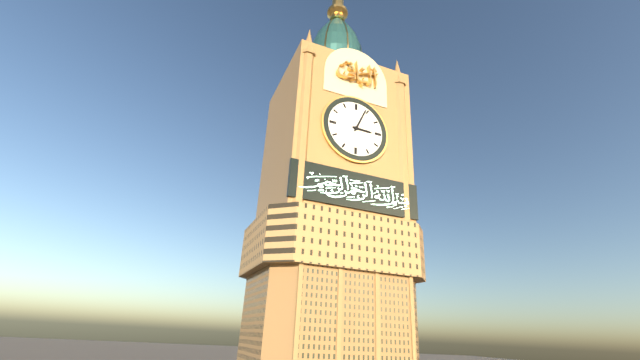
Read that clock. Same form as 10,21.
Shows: 3,04
